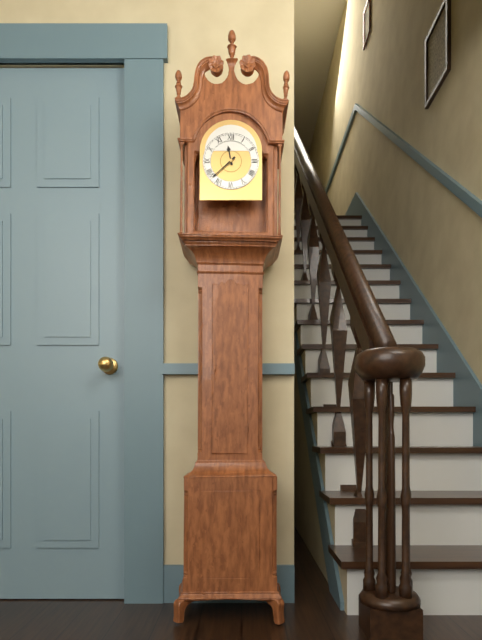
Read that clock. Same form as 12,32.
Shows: 11,38
